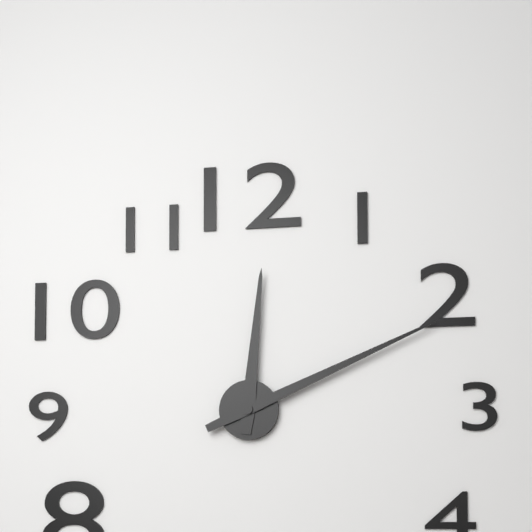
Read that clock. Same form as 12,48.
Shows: 12,11
